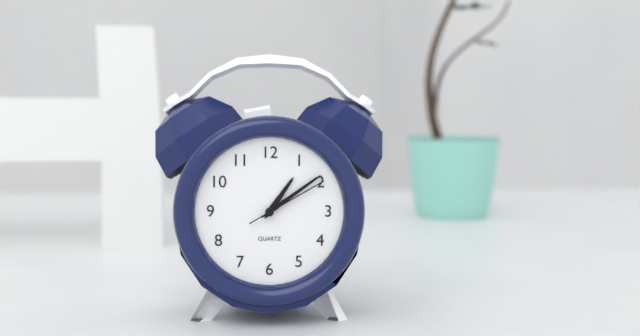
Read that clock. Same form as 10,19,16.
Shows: 1,09,10
